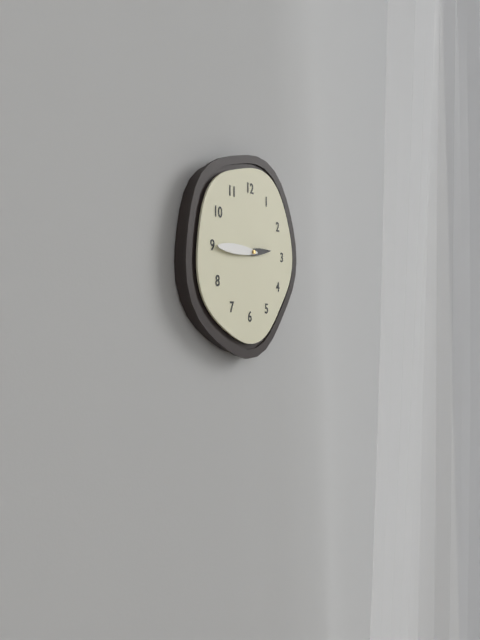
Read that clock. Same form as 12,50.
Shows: 2,45
